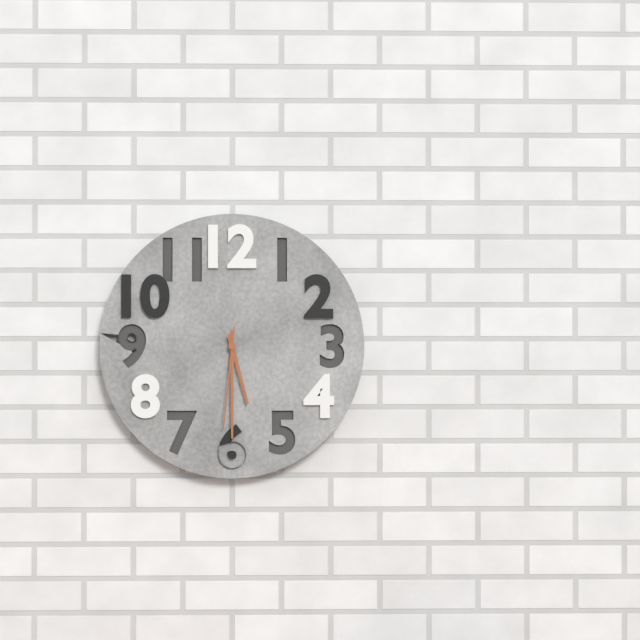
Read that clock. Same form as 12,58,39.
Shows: 5,30,31
